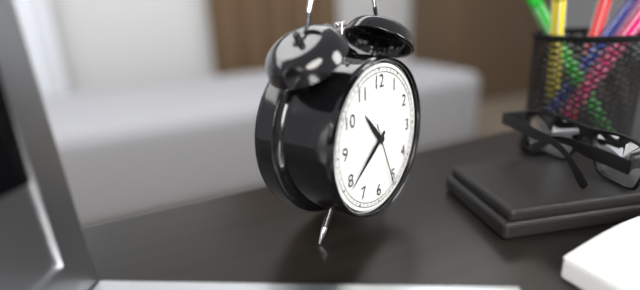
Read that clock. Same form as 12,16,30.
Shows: 10,39,26
